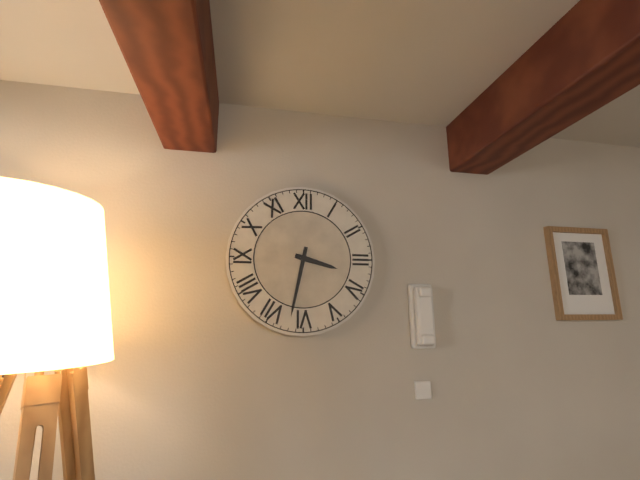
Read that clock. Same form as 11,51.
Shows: 3,32
